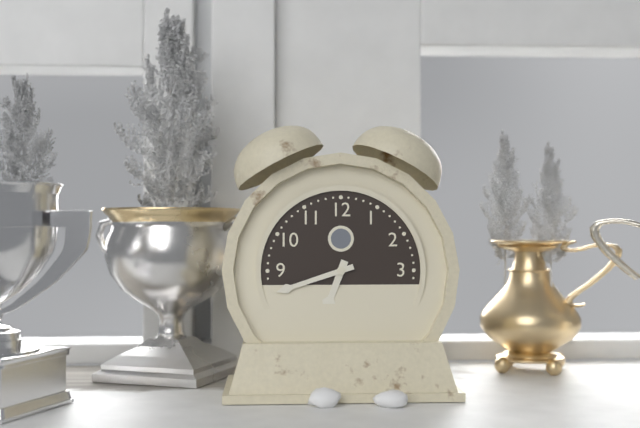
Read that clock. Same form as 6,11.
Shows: 6,42
